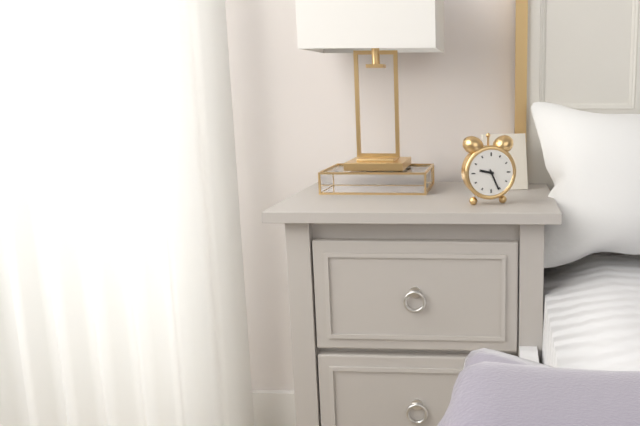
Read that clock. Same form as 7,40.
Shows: 9,26
